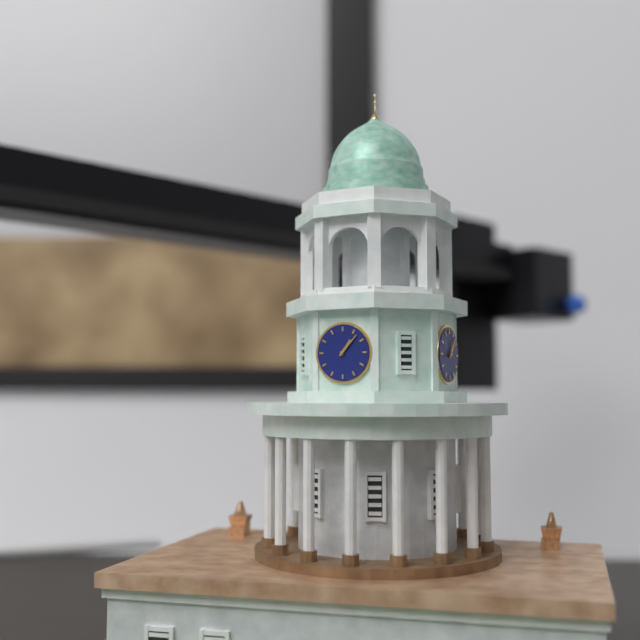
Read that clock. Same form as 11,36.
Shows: 1,07
